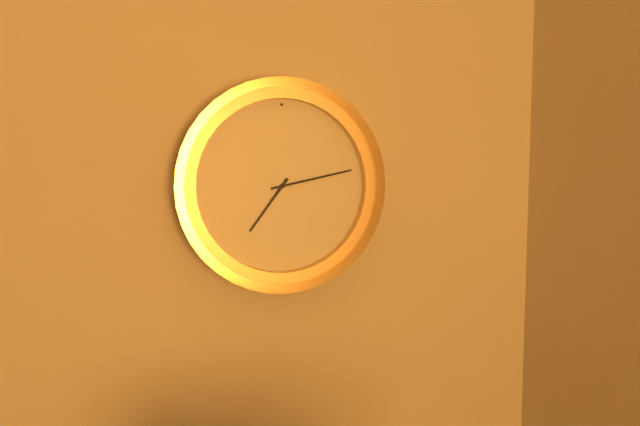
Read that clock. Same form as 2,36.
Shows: 7,13
